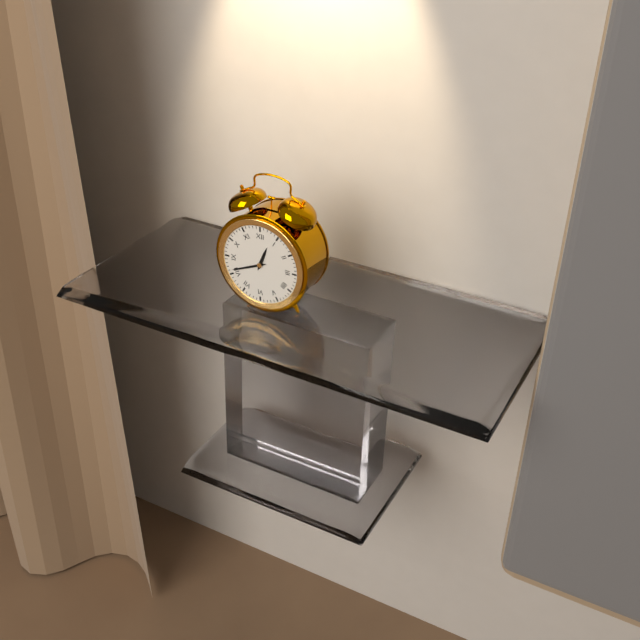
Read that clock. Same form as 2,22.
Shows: 12,41
